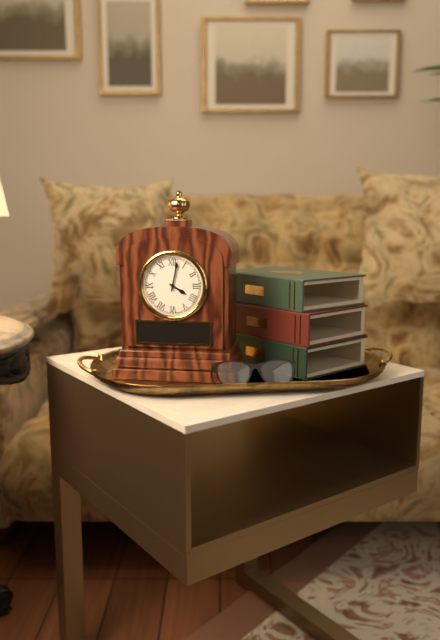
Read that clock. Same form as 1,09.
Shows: 4,02
